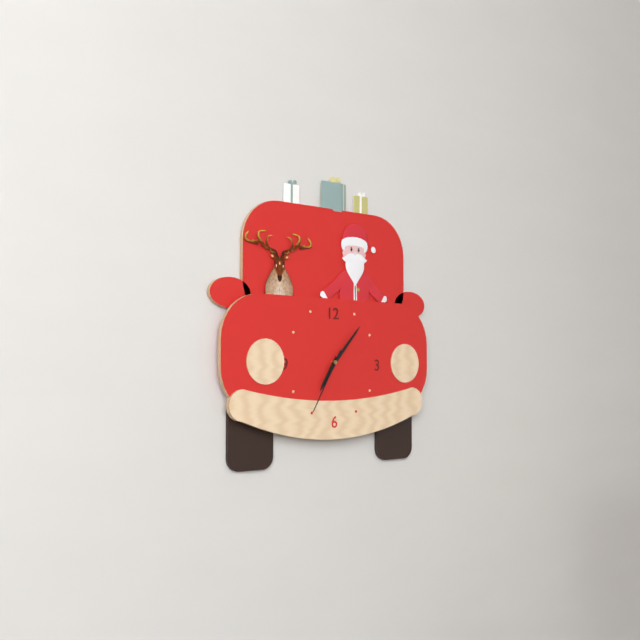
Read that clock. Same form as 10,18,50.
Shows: 7,07,35
